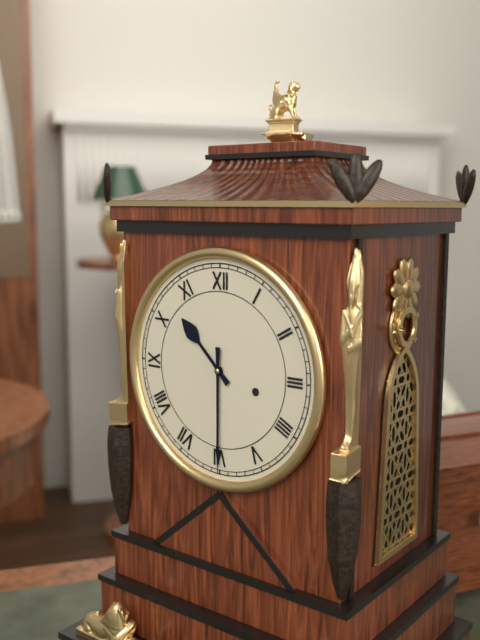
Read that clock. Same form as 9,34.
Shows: 10,30
